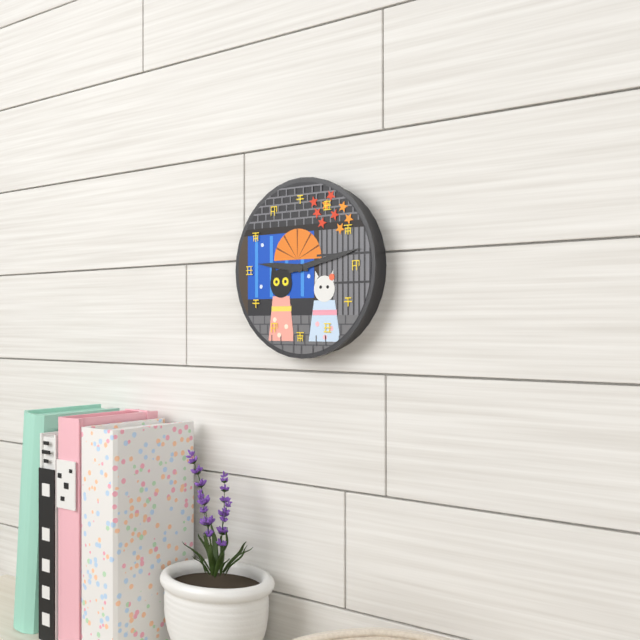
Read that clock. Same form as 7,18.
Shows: 9,13
